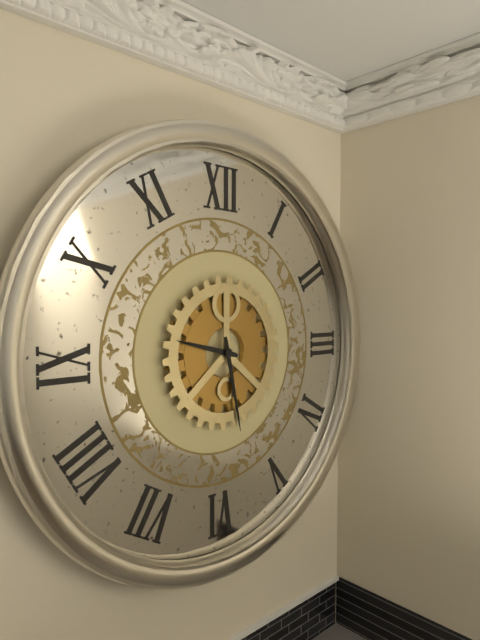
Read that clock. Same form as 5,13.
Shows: 9,28
